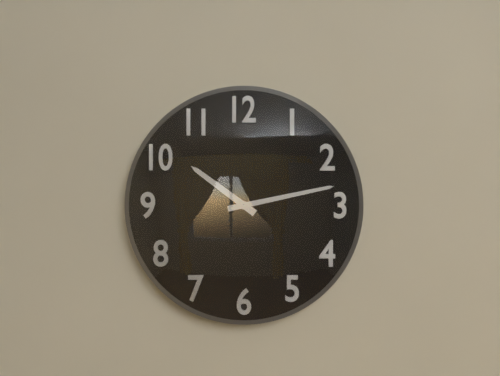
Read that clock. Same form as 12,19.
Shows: 10,13
